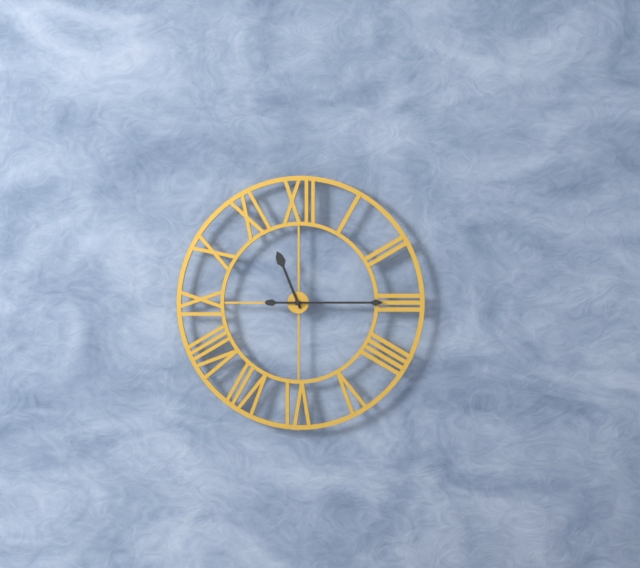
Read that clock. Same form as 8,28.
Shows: 11,15
